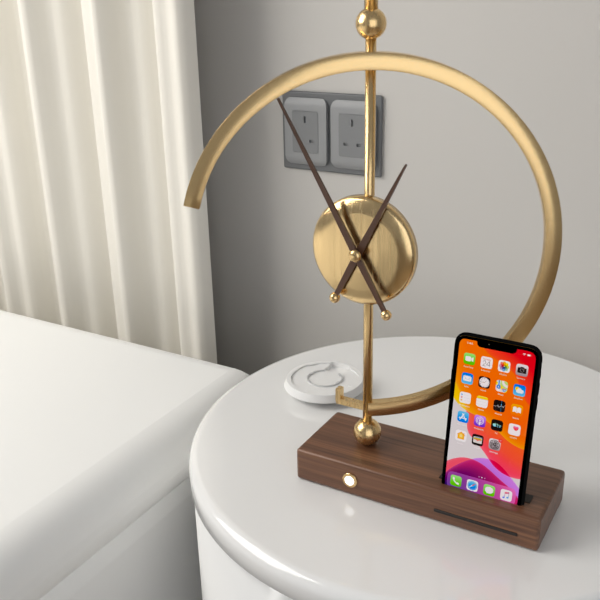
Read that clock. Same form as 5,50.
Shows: 12,55
